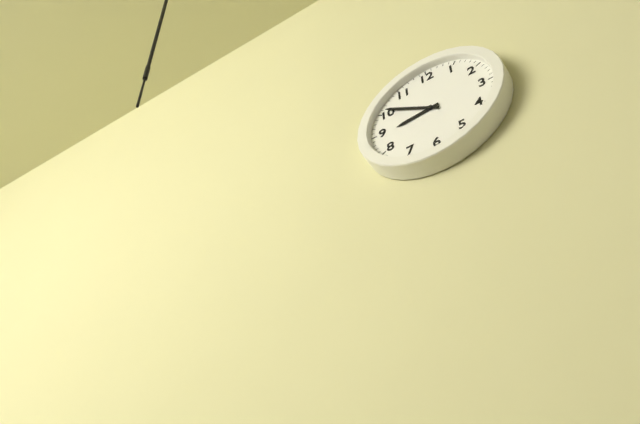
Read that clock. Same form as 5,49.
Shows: 8,51
